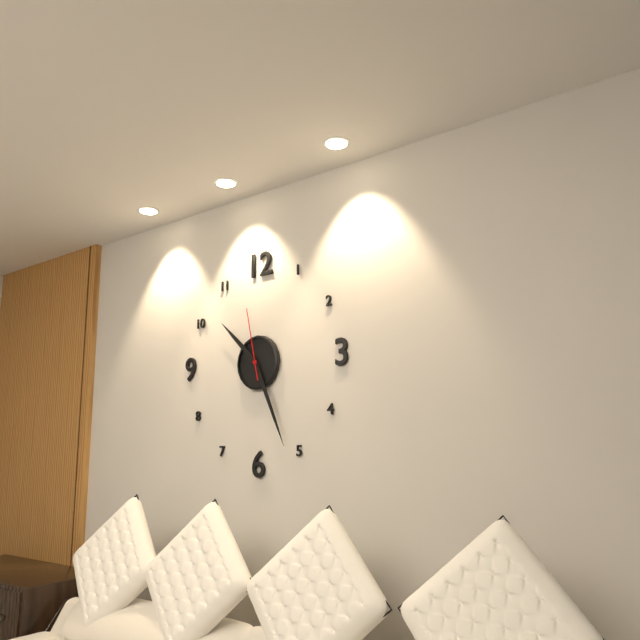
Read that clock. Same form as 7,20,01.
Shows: 10,26,58
